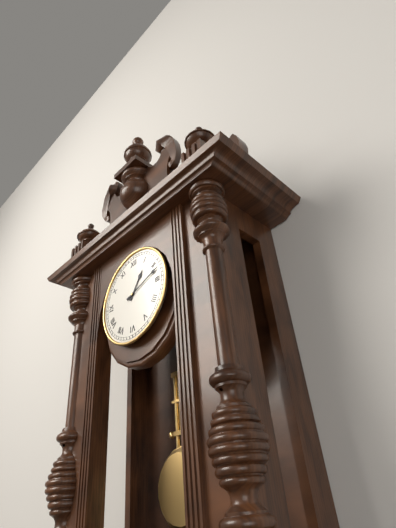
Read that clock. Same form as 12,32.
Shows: 1,12
